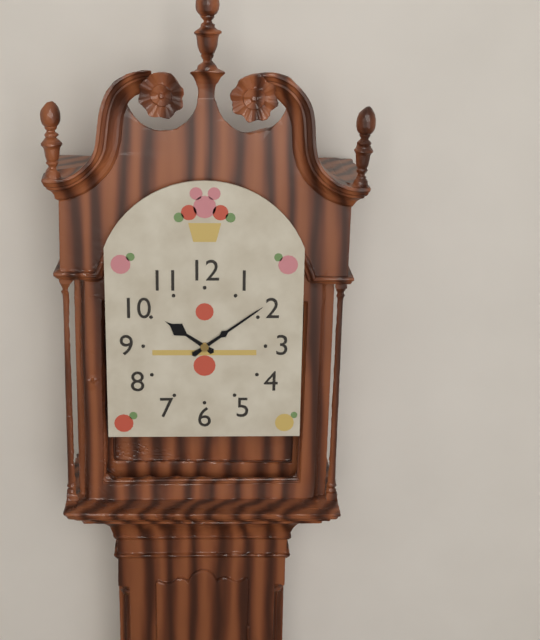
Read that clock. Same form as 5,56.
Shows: 10,09
